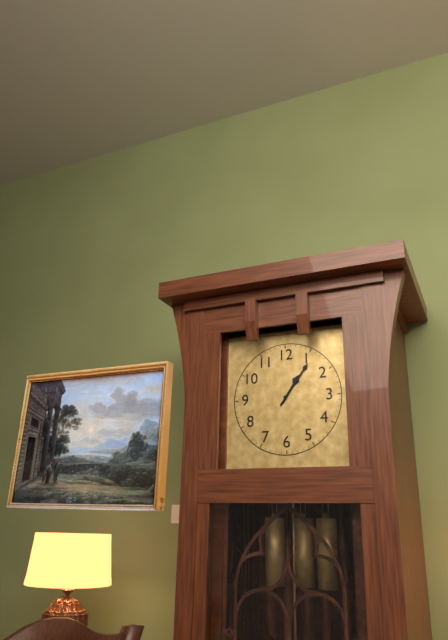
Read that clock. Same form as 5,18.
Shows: 1,06
